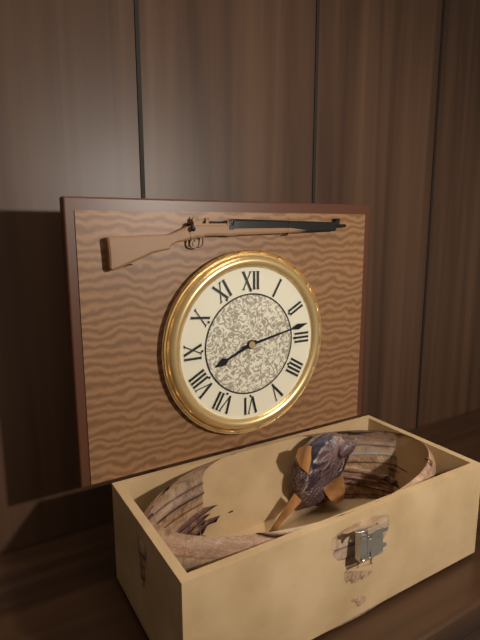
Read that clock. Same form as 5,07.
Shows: 8,13
